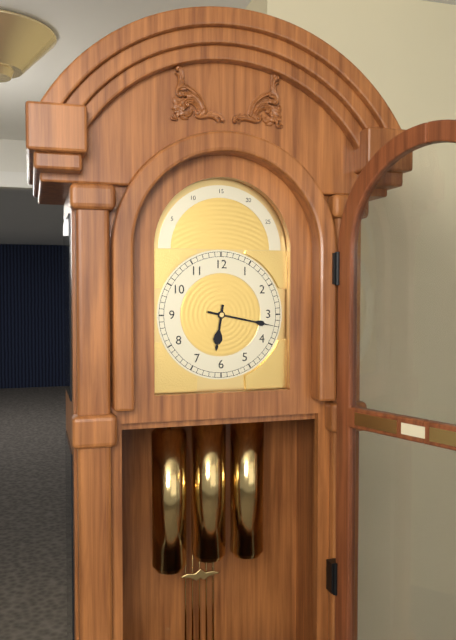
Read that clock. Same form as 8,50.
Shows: 6,17
